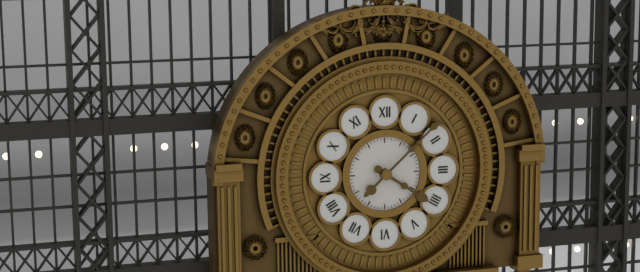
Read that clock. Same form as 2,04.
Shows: 4,08
